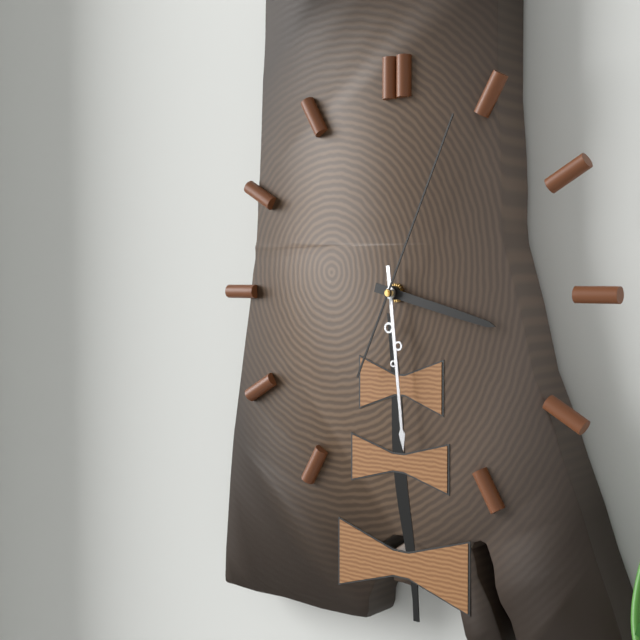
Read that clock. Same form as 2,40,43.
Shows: 3,29,04
